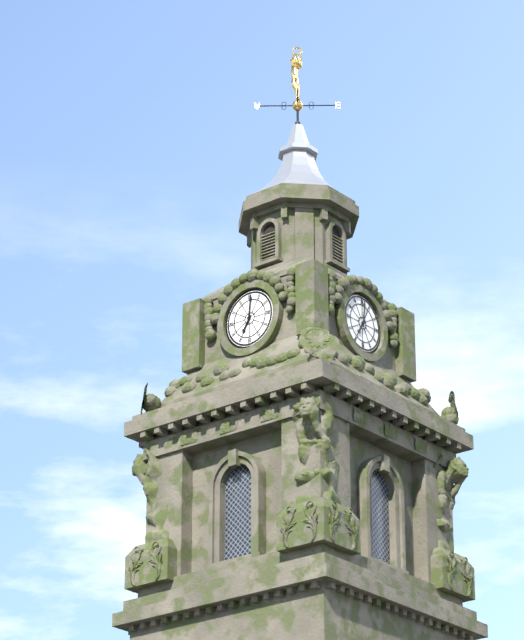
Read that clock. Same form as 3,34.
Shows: 7,01
